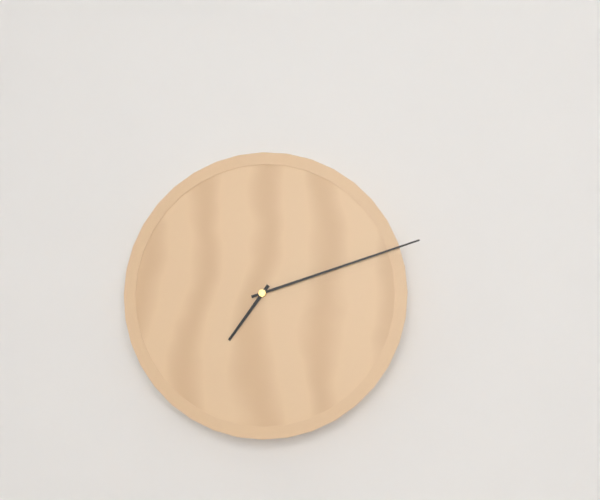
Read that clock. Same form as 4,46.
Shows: 7,12
